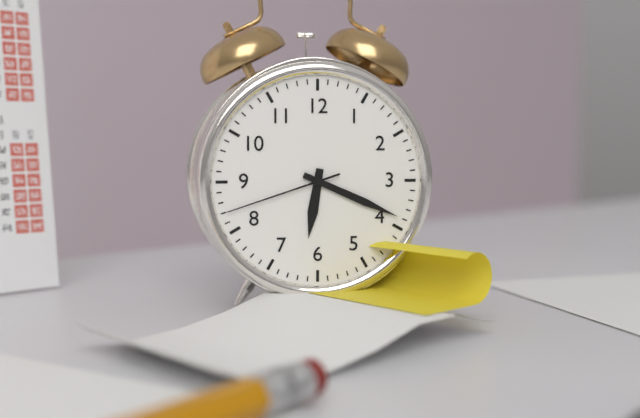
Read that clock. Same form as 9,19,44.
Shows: 6,19,42
